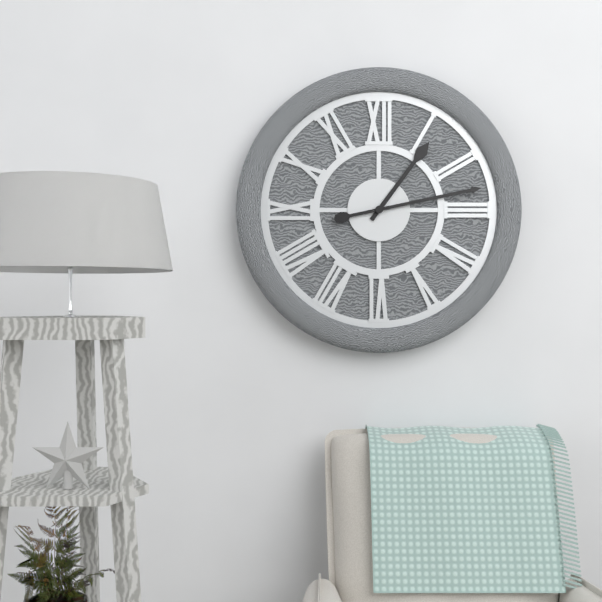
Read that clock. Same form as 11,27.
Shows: 1,13
